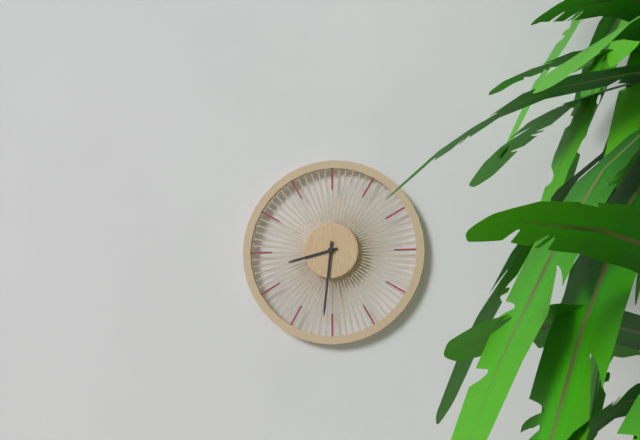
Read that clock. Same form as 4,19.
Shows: 8,31
